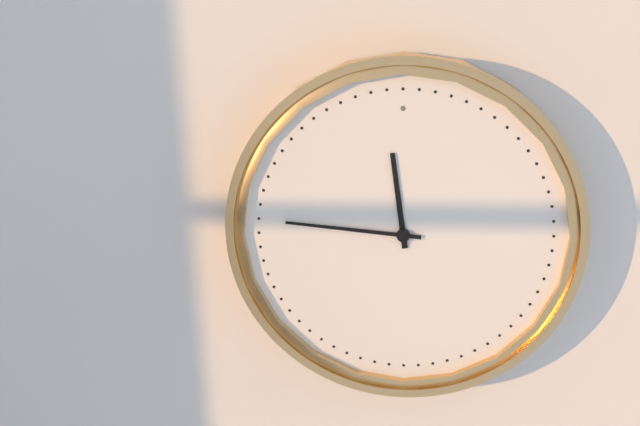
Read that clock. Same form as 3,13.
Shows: 11,46
